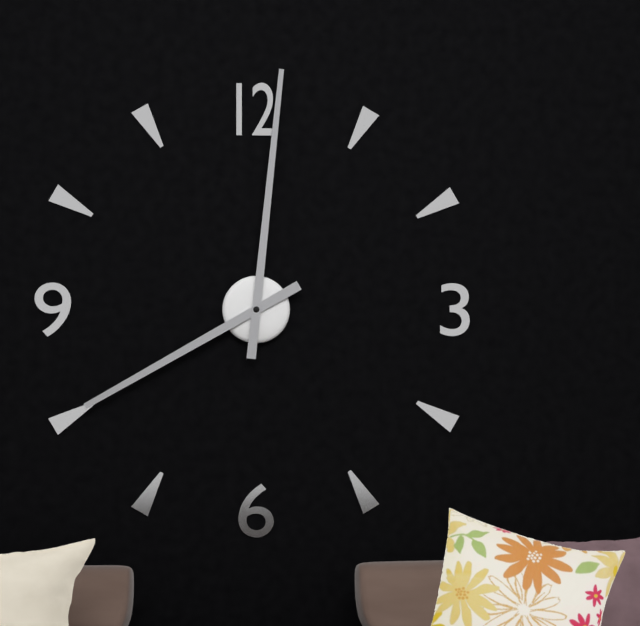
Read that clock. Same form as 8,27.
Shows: 8,01
